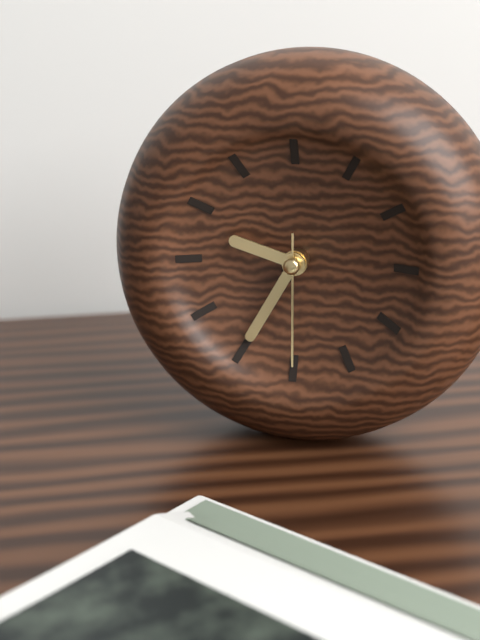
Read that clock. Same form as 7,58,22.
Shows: 9,35,30
